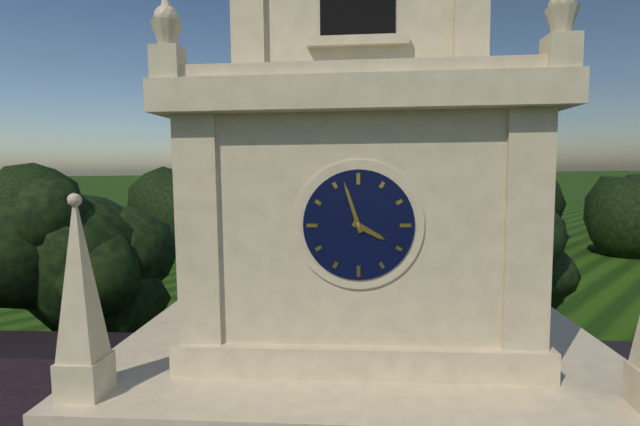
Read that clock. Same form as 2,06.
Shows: 3,57
